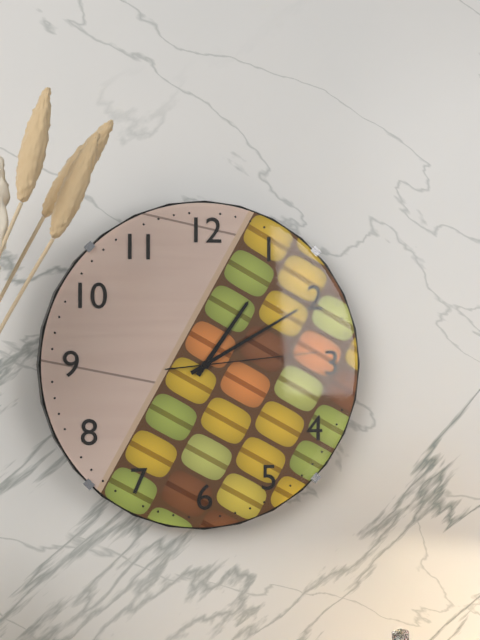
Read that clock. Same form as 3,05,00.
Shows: 1,10,14
